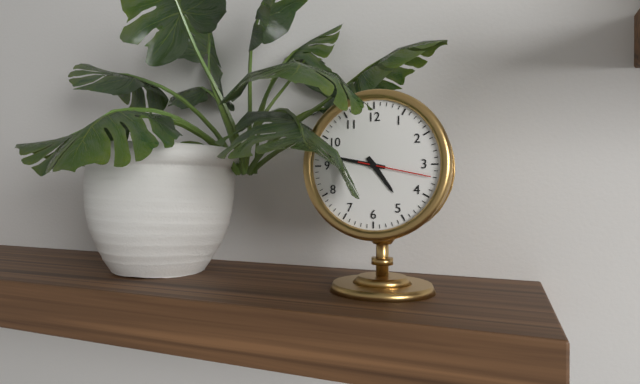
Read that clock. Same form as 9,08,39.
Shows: 4,47,17
